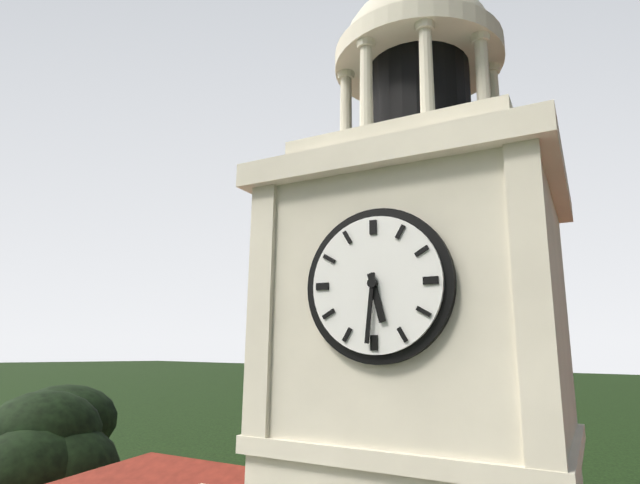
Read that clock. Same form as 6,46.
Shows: 5,31
